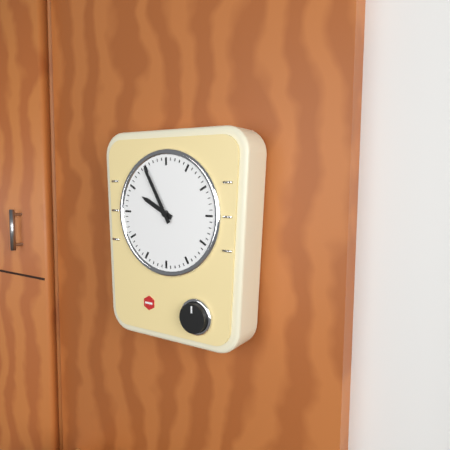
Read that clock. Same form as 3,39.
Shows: 9,55
